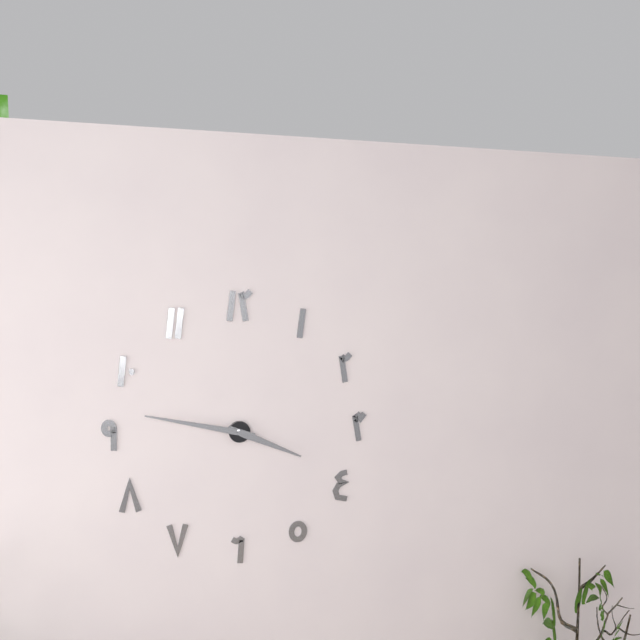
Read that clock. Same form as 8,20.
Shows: 3,47
